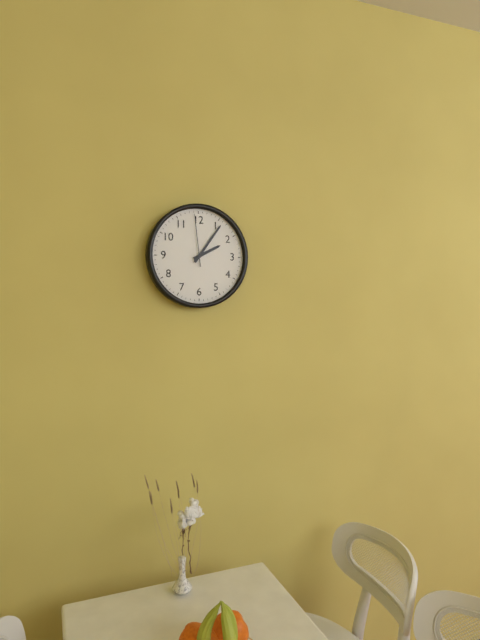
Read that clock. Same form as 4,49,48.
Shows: 2,06,59
